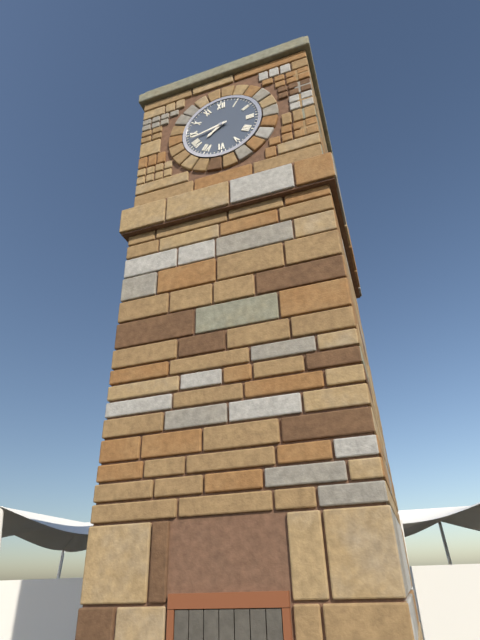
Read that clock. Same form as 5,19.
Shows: 7,43
